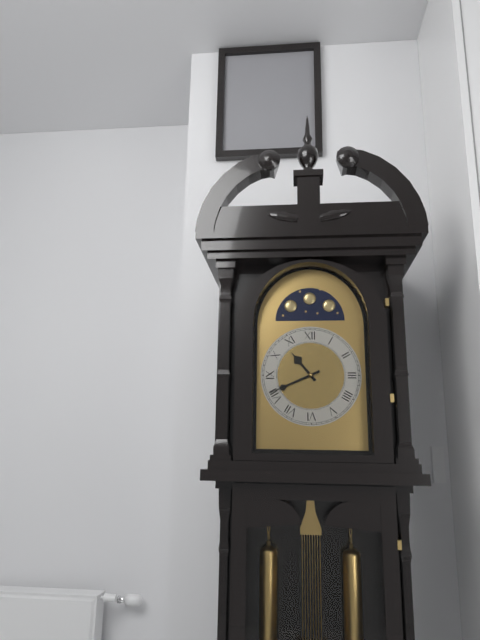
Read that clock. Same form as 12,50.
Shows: 10,41
